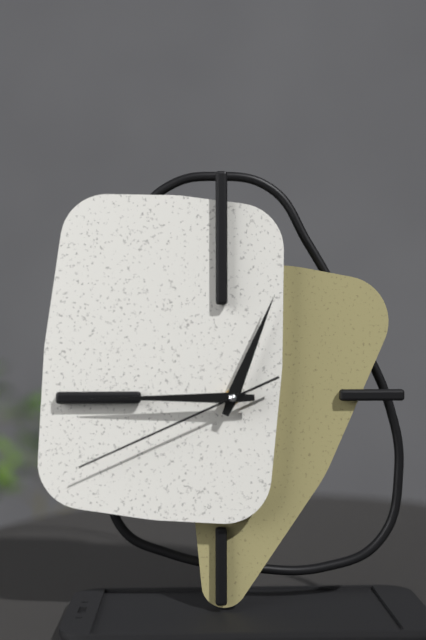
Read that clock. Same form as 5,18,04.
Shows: 12,45,41
